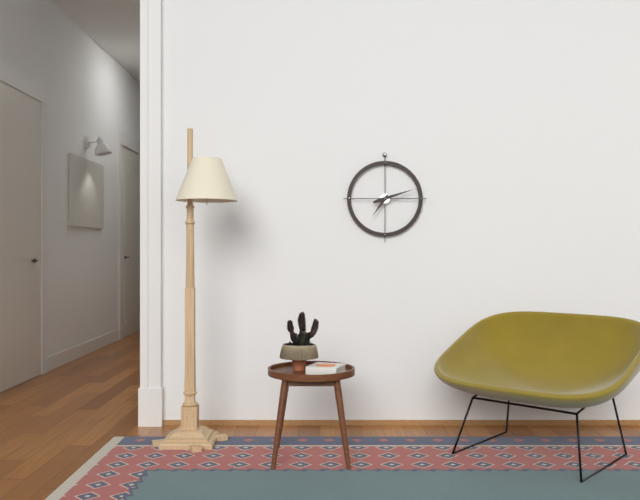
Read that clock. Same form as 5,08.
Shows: 7,12
